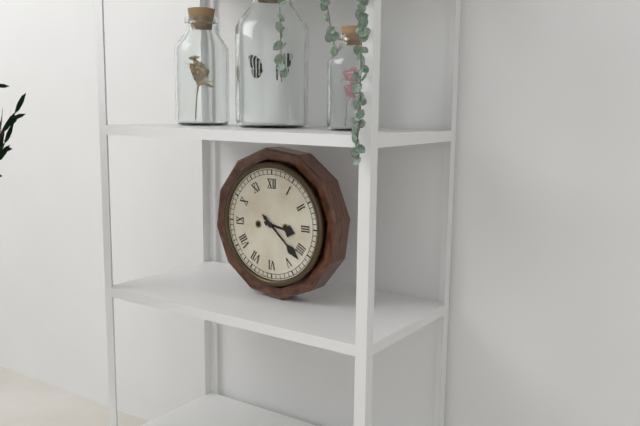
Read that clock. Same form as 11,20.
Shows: 3,22
